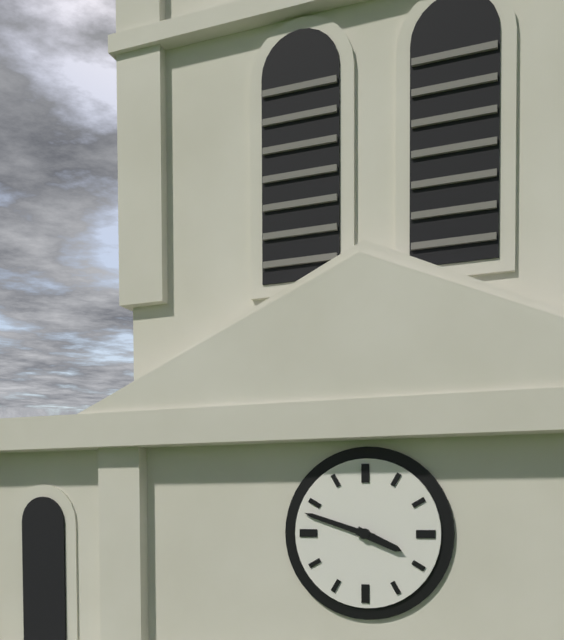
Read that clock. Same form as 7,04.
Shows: 3,48
